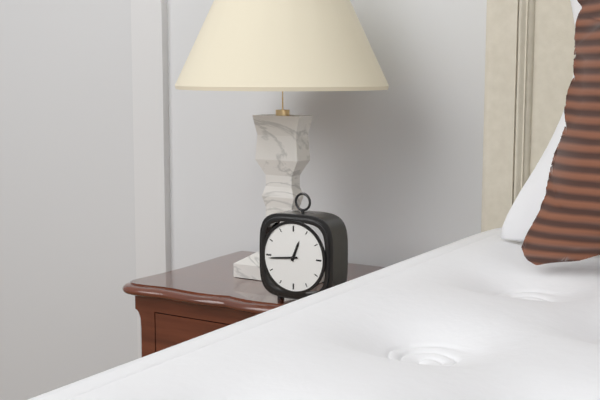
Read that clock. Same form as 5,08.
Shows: 12,44
